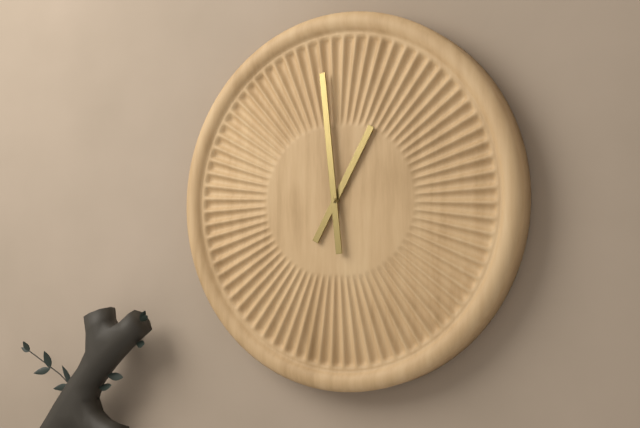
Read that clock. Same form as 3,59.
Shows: 12,59
